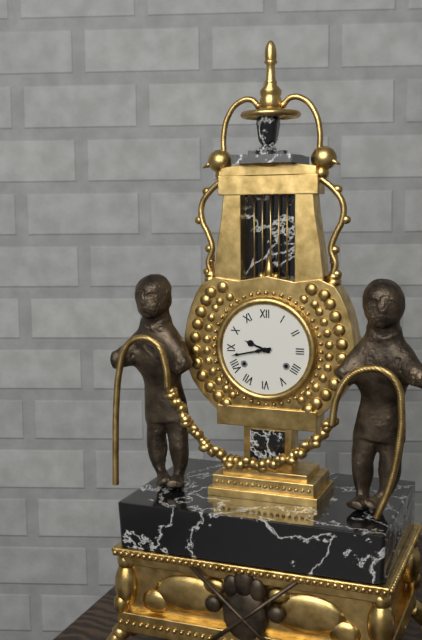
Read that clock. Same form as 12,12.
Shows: 9,43
